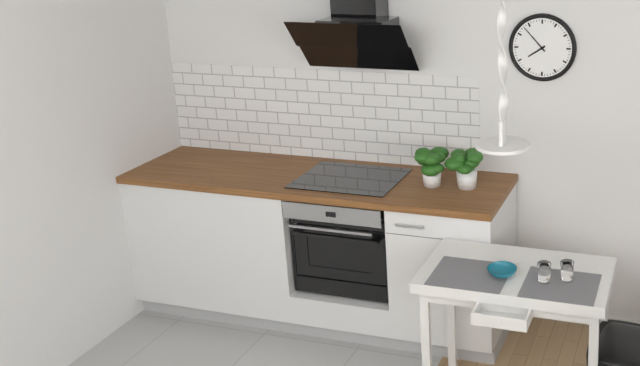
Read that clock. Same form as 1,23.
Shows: 7,53
